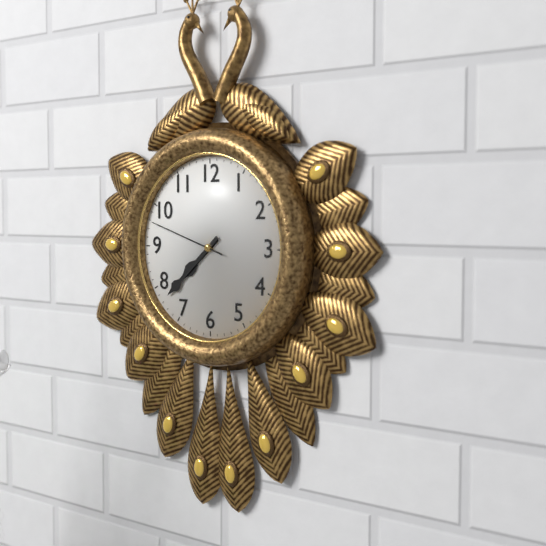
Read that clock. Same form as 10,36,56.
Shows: 7,38,48
